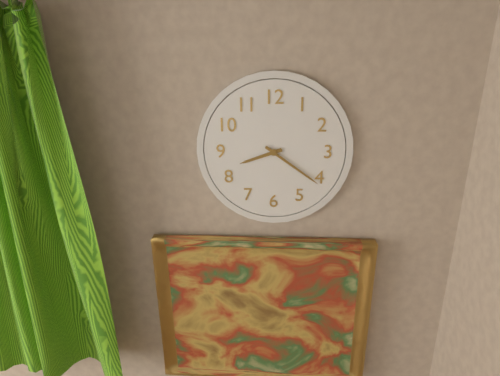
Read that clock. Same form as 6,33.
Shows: 8,21
